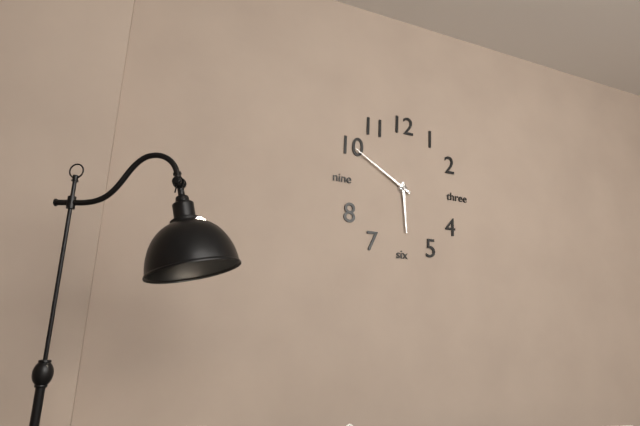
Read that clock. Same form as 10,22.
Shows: 5,50
